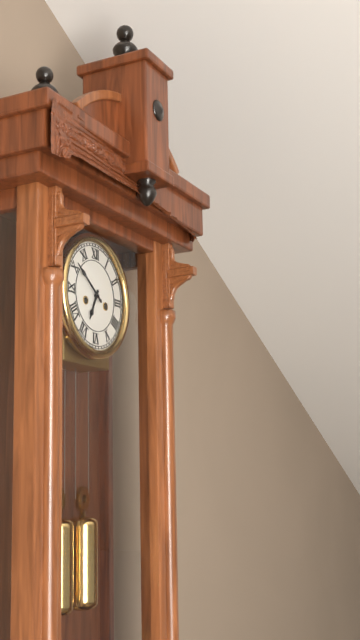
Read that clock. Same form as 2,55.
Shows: 6,51
